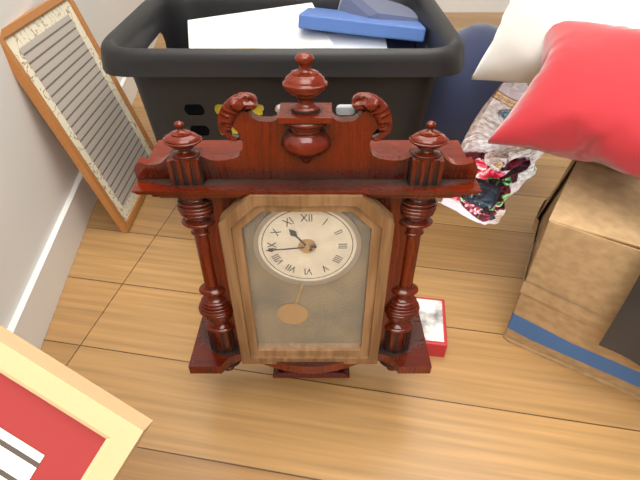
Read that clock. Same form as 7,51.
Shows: 10,44
